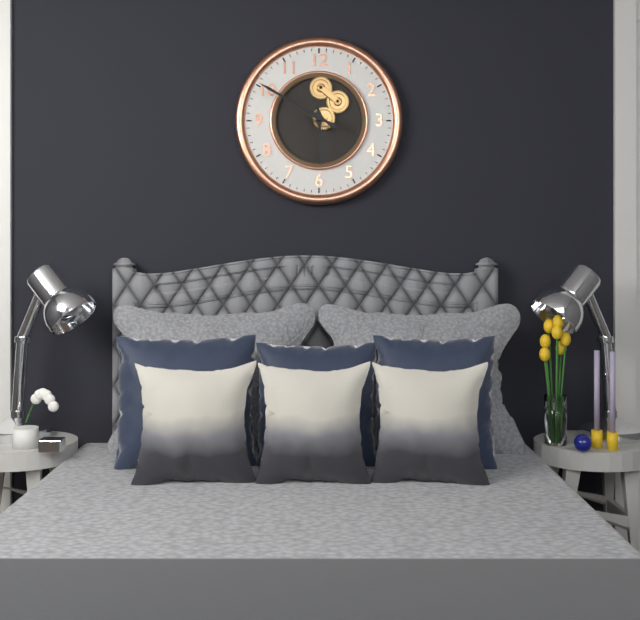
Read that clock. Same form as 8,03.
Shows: 5,50
